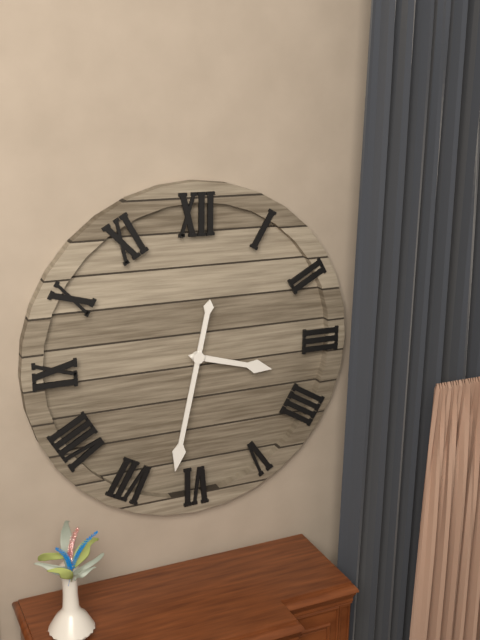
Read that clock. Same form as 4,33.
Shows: 3,32
